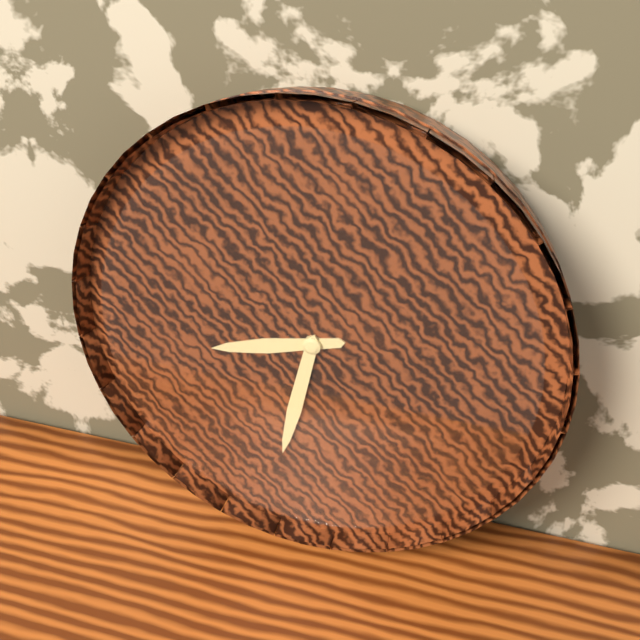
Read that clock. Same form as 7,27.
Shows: 8,32
